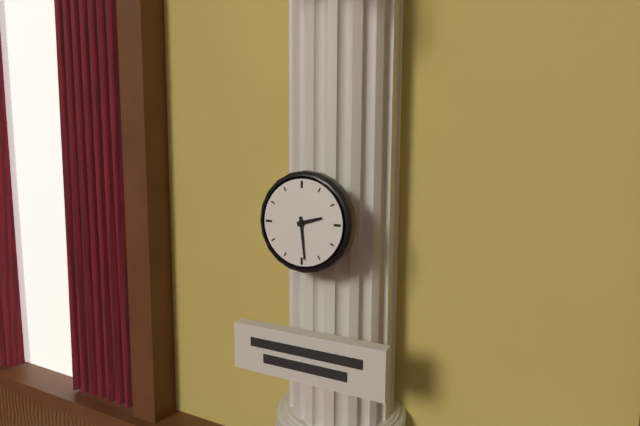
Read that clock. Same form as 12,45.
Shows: 2,29
